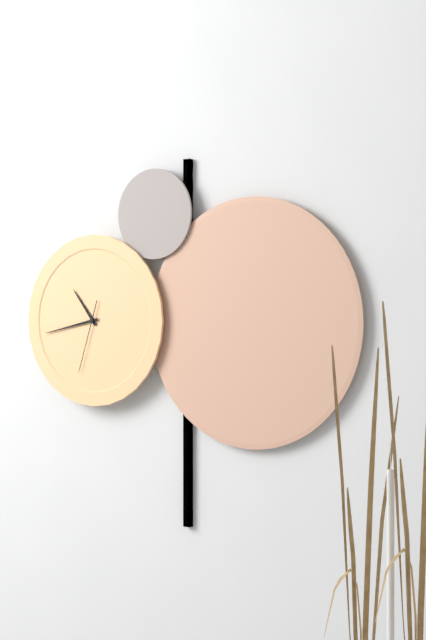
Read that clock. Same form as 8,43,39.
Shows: 10,43,33
